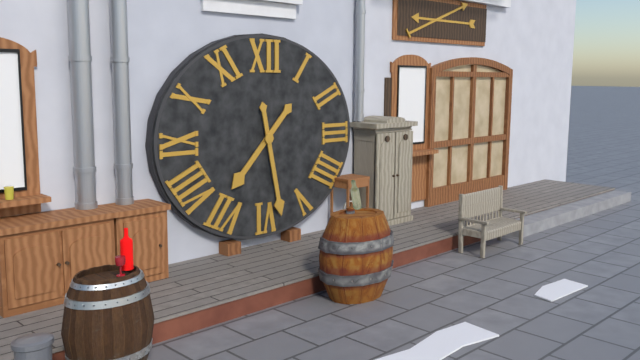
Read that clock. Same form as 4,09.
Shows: 7,28
